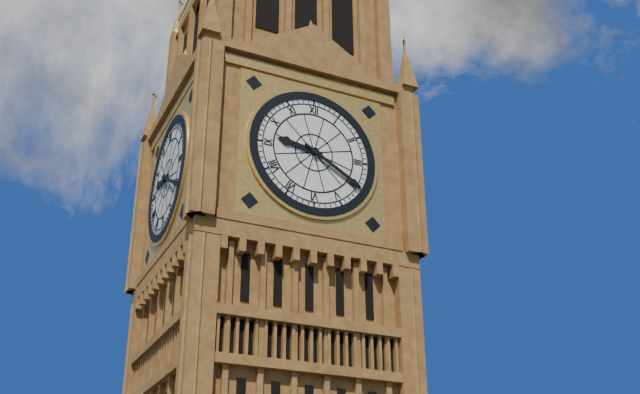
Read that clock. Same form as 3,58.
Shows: 9,20
